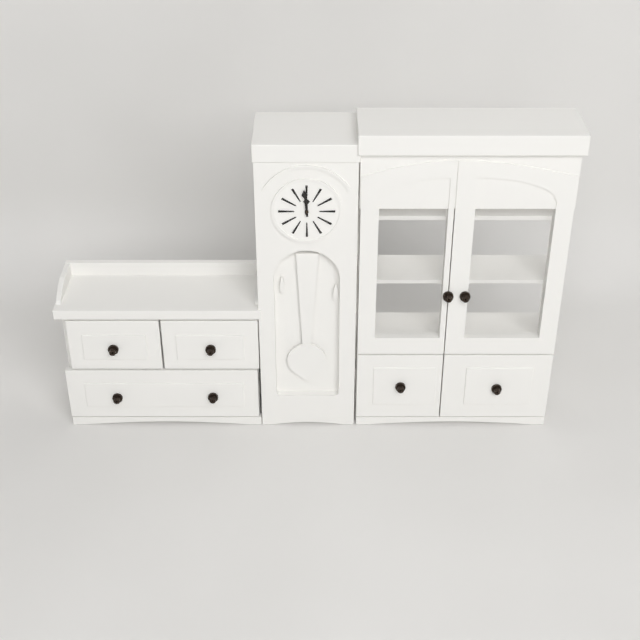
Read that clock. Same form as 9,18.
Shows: 11,59
